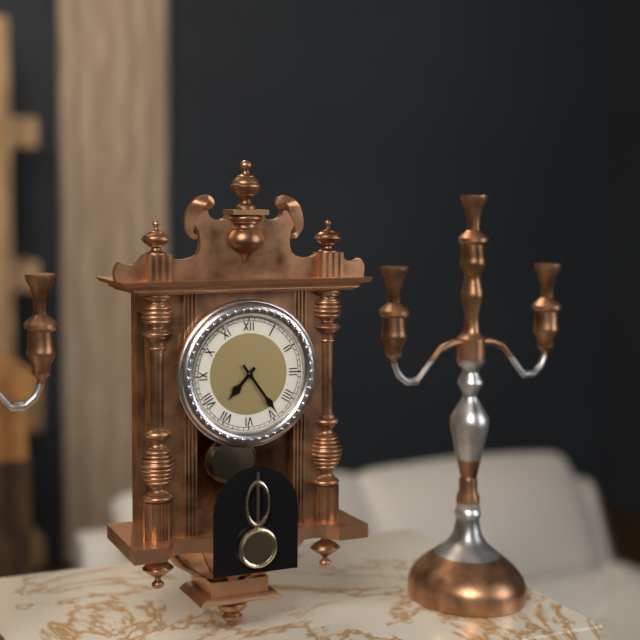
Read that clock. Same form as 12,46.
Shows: 7,24
